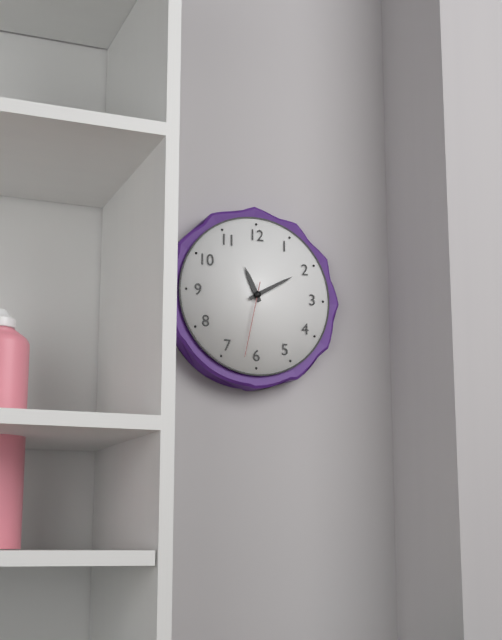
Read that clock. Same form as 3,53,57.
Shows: 11,10,32
